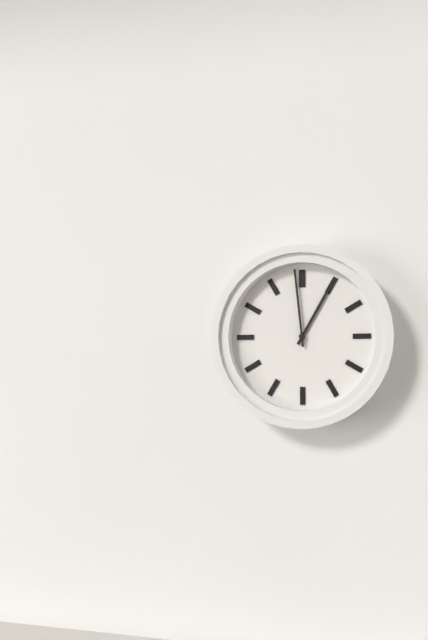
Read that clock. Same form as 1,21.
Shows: 12,59
